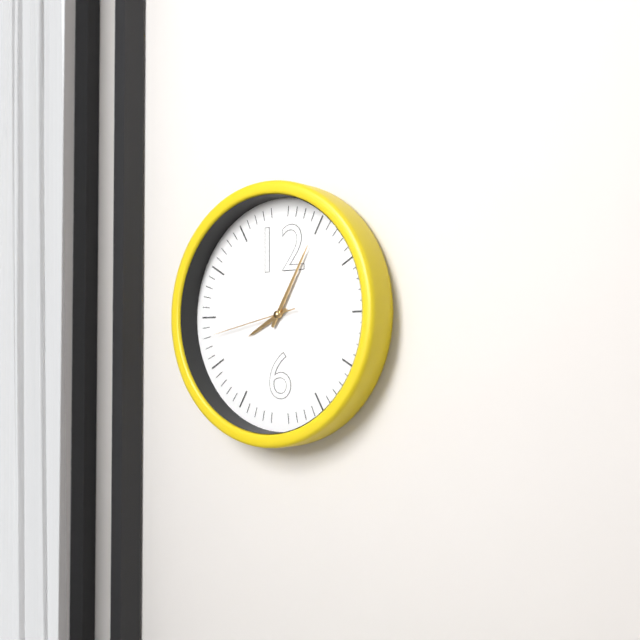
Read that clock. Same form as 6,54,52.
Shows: 8,05,43
